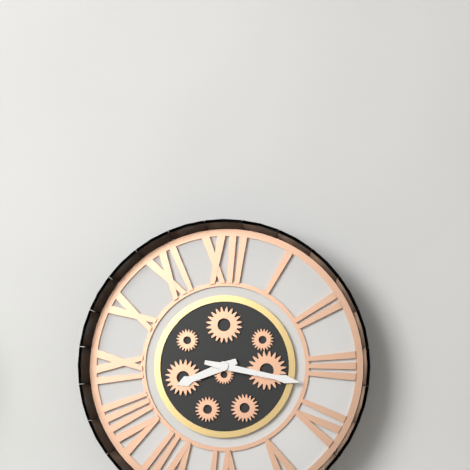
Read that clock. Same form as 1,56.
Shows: 8,17
